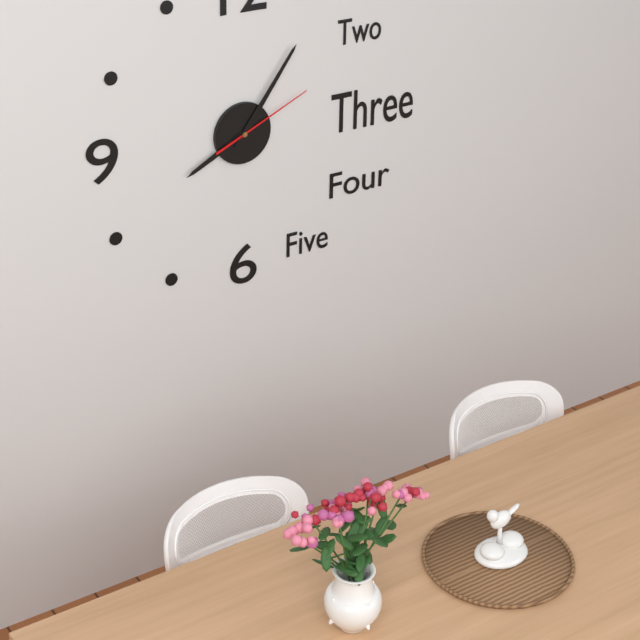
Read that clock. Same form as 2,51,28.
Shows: 8,06,11
